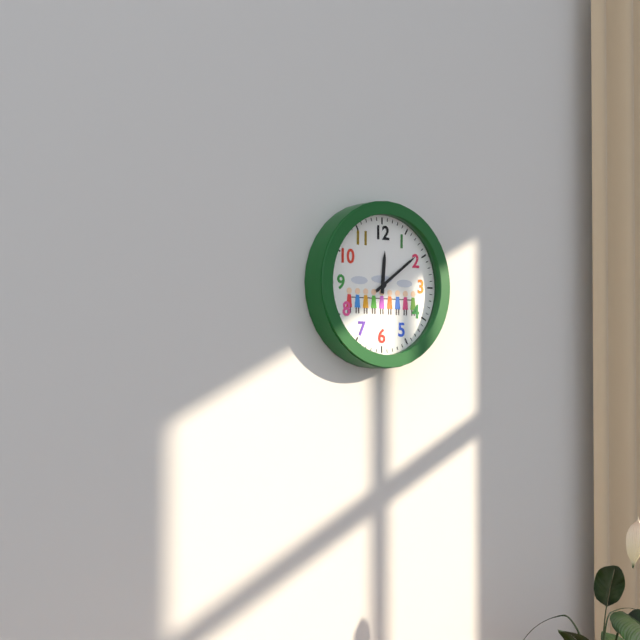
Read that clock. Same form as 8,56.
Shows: 12,09
